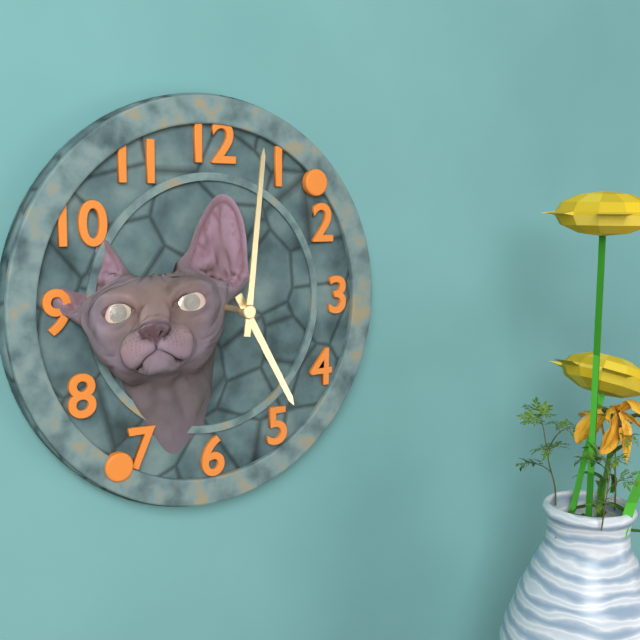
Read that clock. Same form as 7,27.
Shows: 5,01
